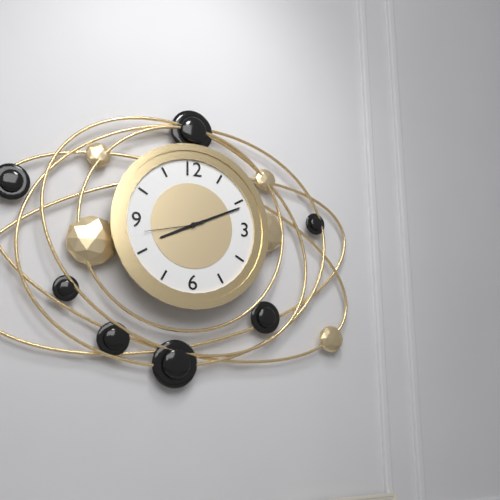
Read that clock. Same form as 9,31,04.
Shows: 8,11,43
